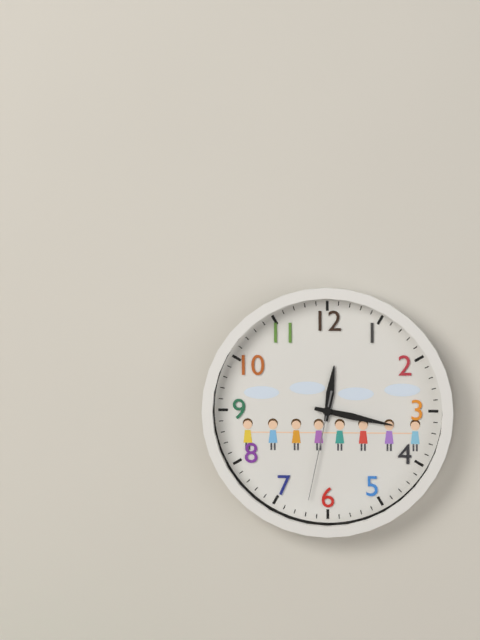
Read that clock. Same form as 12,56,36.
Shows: 12,17,32
